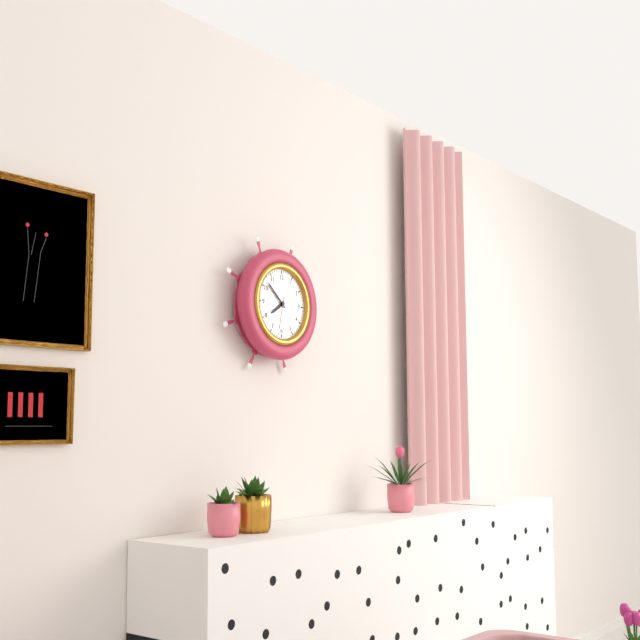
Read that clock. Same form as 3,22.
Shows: 7,52
